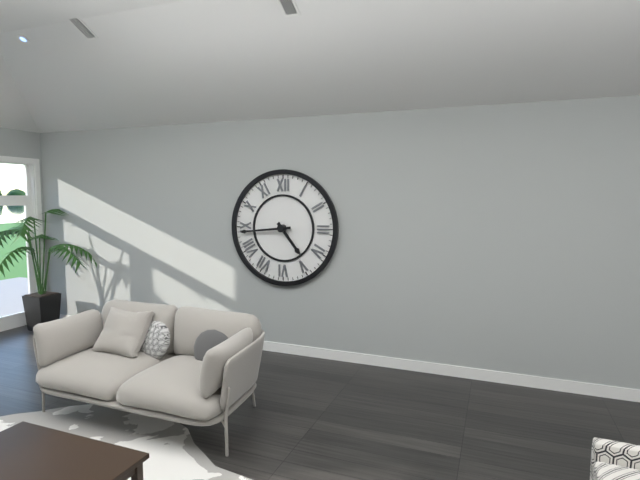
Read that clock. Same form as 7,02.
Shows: 4,44
